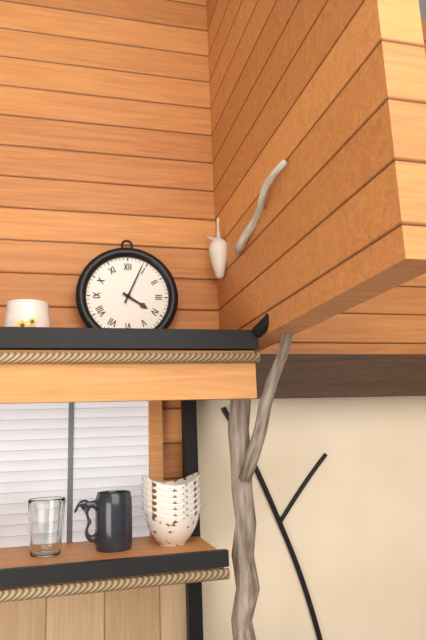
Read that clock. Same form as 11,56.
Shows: 4,04
